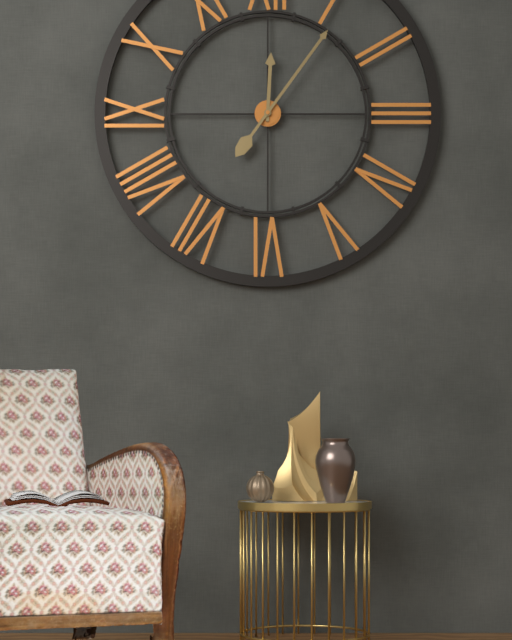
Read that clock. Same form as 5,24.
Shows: 12,06
